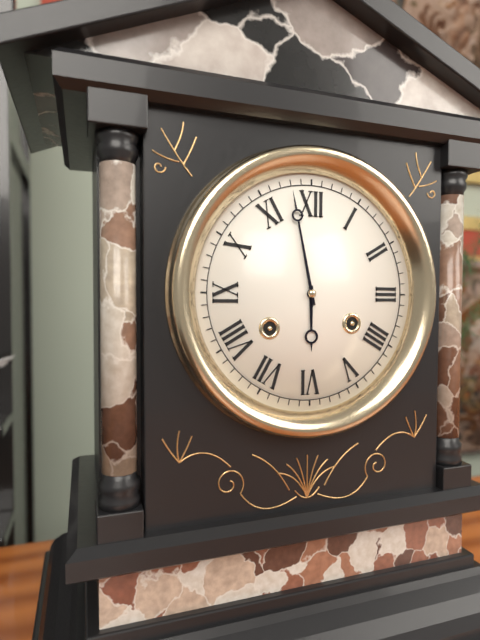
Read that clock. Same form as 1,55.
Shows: 5,58
